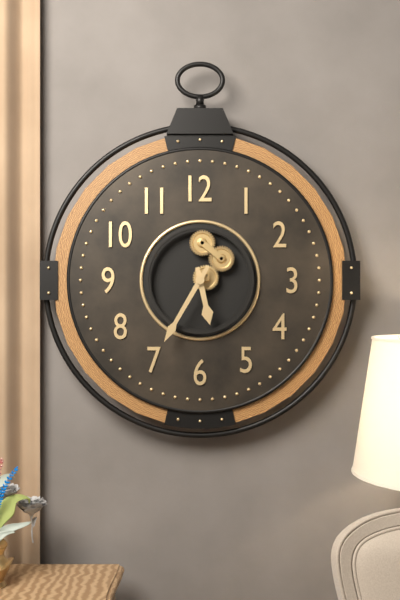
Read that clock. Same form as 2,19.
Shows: 5,35
